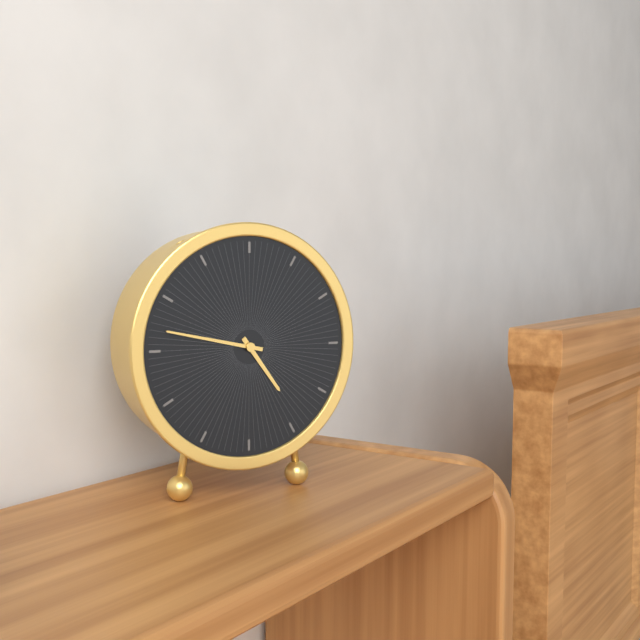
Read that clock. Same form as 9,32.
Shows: 4,47
